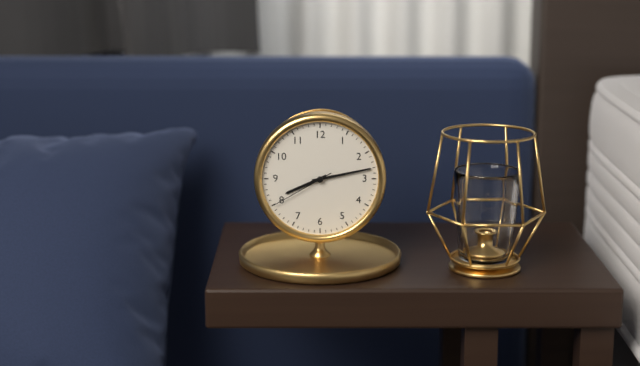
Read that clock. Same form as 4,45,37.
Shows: 8,13,40
